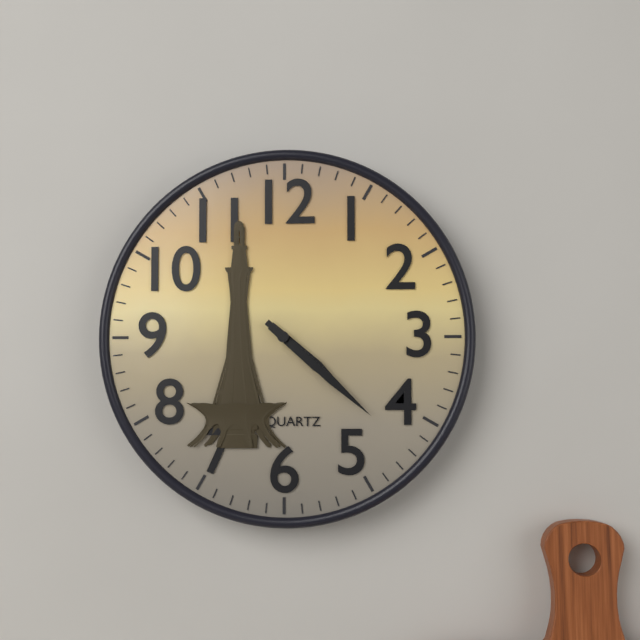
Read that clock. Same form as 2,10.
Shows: 4,22
